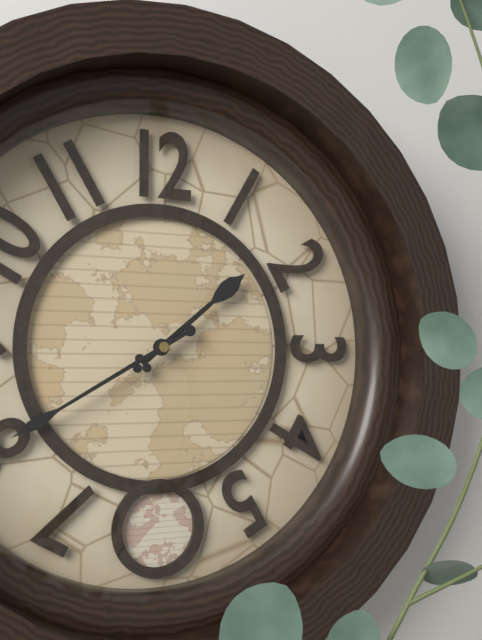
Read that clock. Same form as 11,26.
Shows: 1,40
